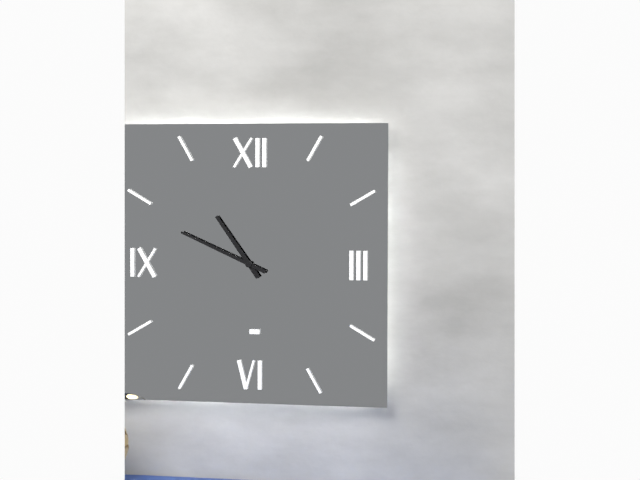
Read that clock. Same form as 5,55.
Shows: 10,49
